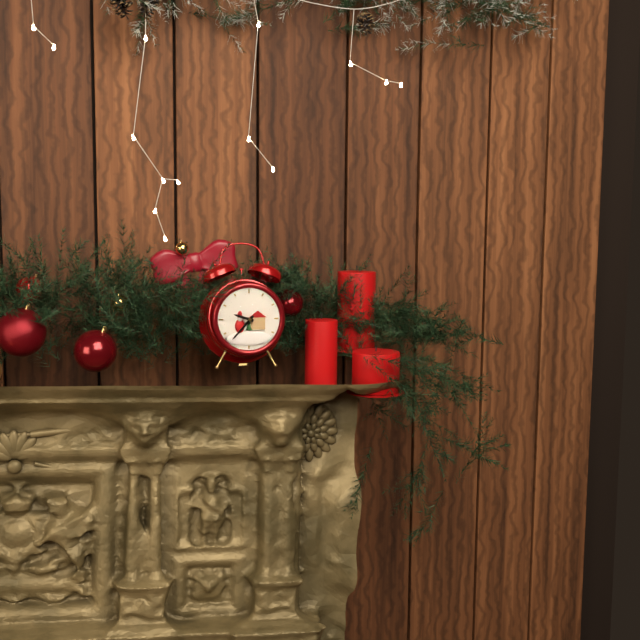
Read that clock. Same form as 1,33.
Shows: 9,37
